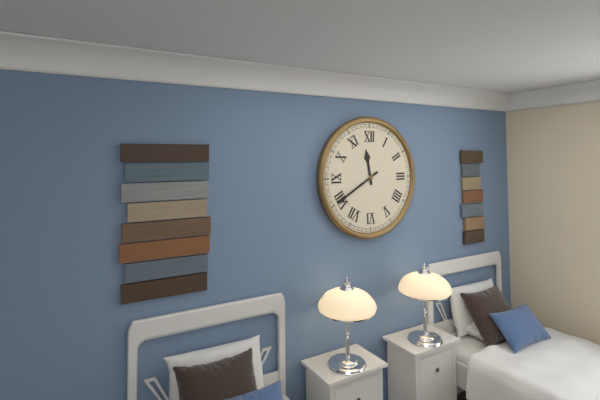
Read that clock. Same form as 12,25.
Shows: 11,40
